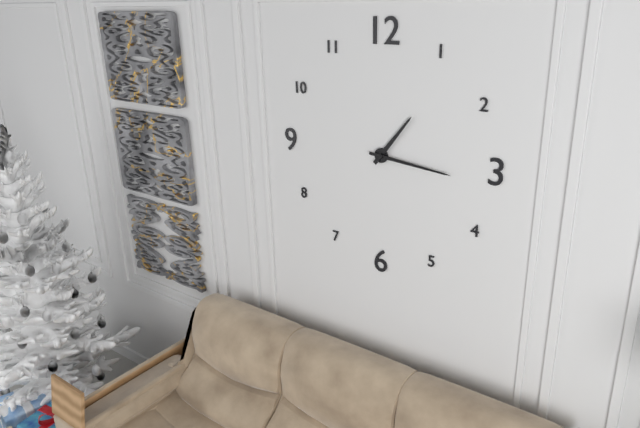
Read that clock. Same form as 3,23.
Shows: 1,16
